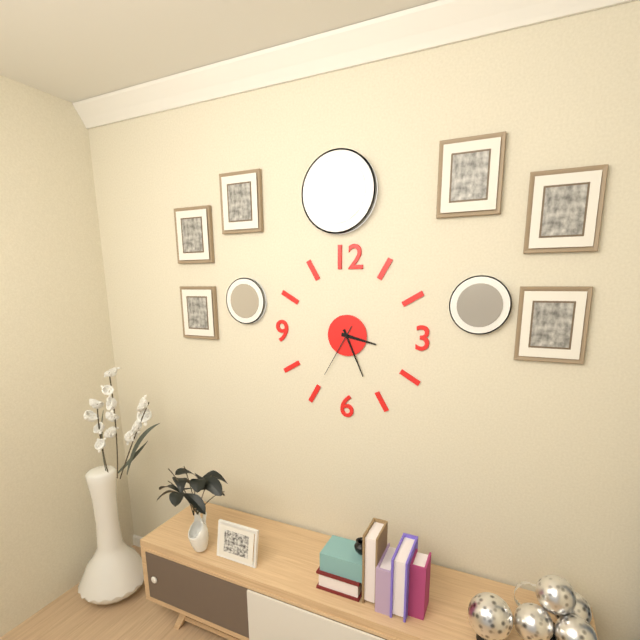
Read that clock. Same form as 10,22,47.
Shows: 3,26,35
